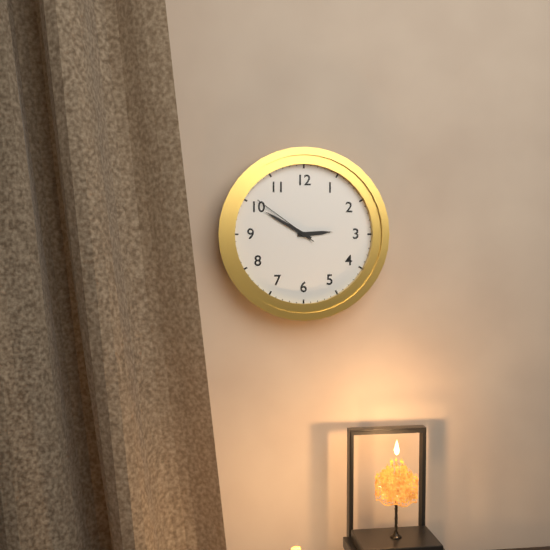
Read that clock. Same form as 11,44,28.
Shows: 2,50,51
